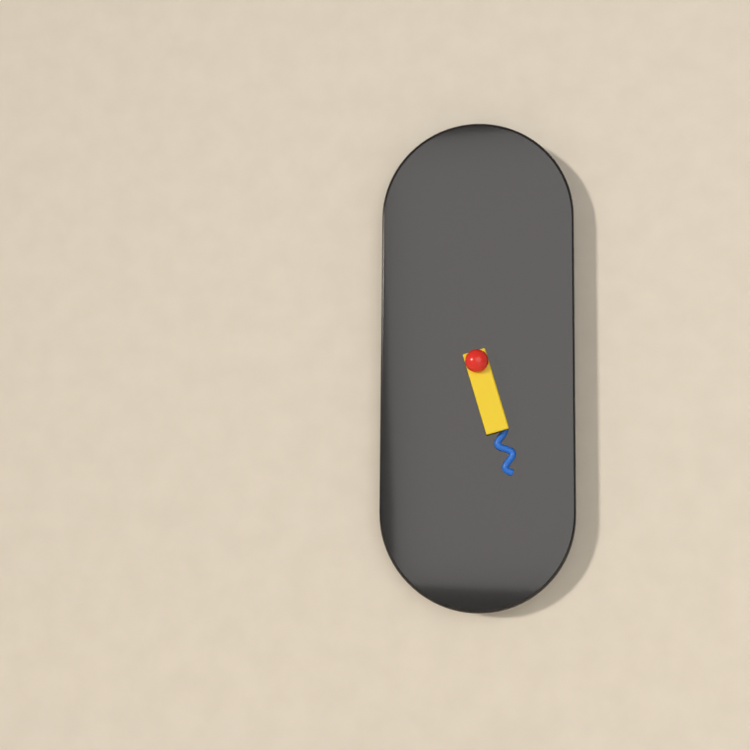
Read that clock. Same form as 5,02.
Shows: 5,27
